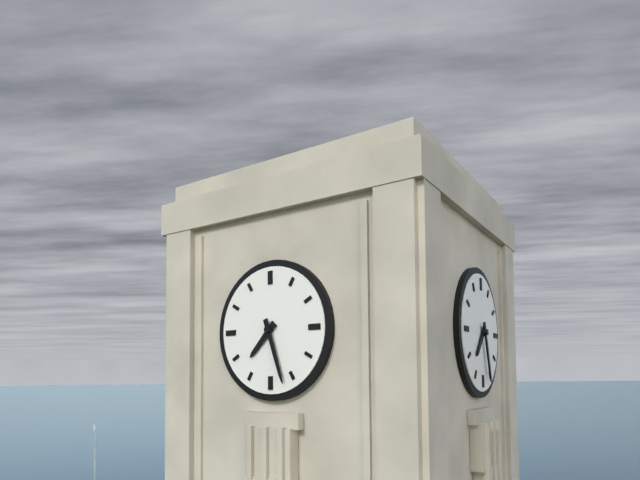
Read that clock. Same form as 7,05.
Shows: 7,27
